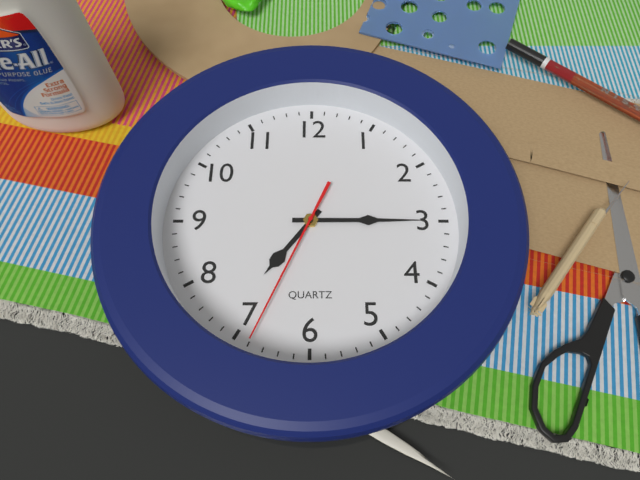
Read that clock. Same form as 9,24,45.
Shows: 7,15,34
